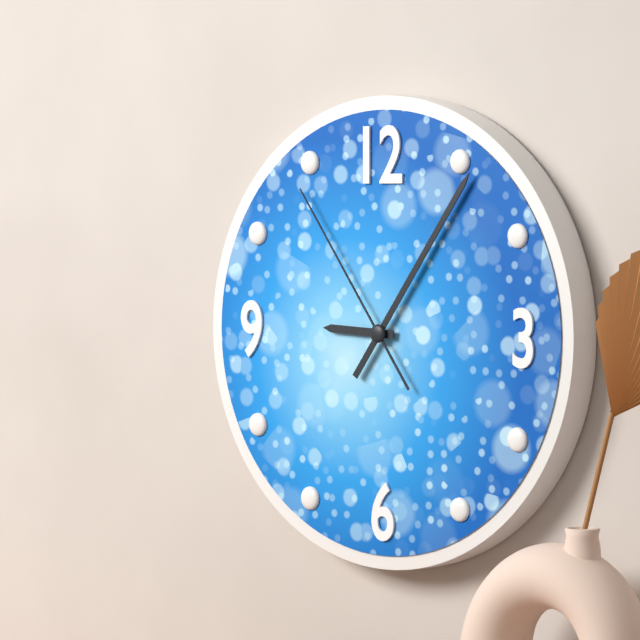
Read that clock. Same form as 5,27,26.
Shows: 9,06,54
